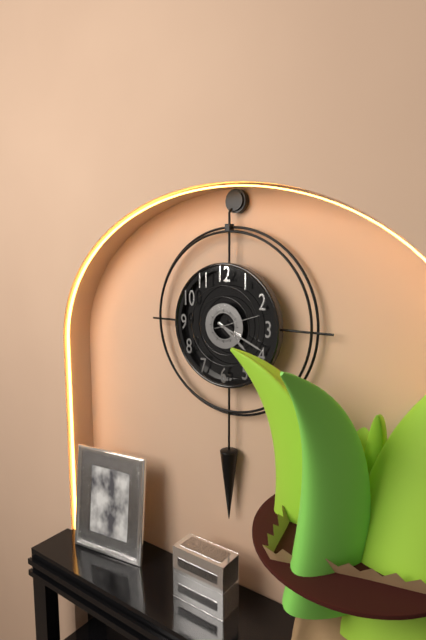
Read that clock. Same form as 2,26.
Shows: 4,19
